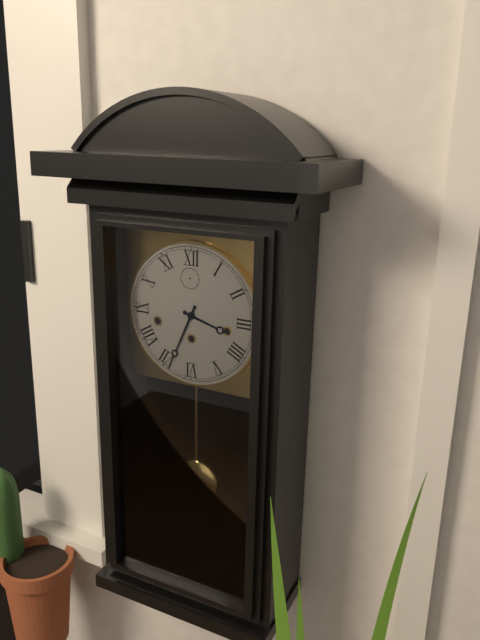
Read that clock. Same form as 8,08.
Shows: 3,34
